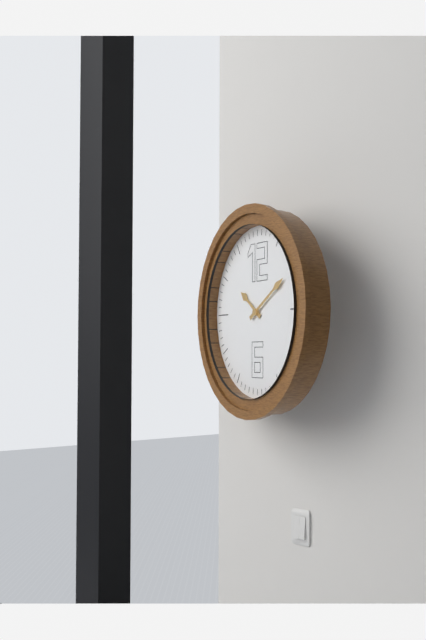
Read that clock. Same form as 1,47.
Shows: 10,10
